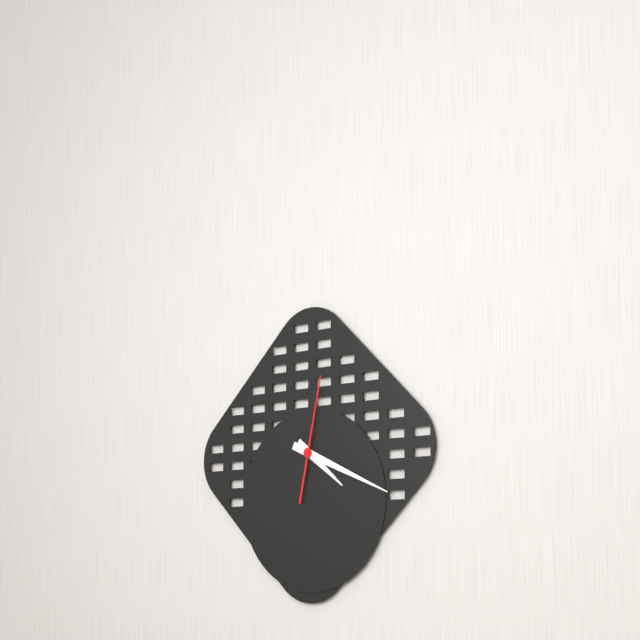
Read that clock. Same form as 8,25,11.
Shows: 4,19,02
